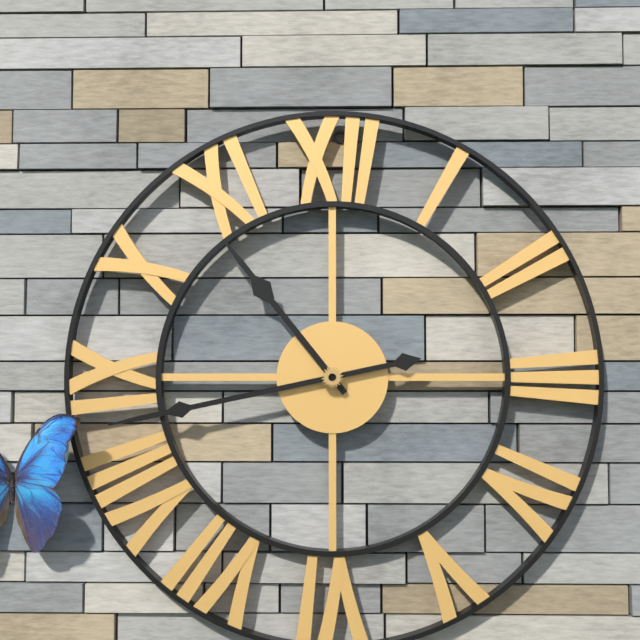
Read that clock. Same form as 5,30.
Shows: 10,43
